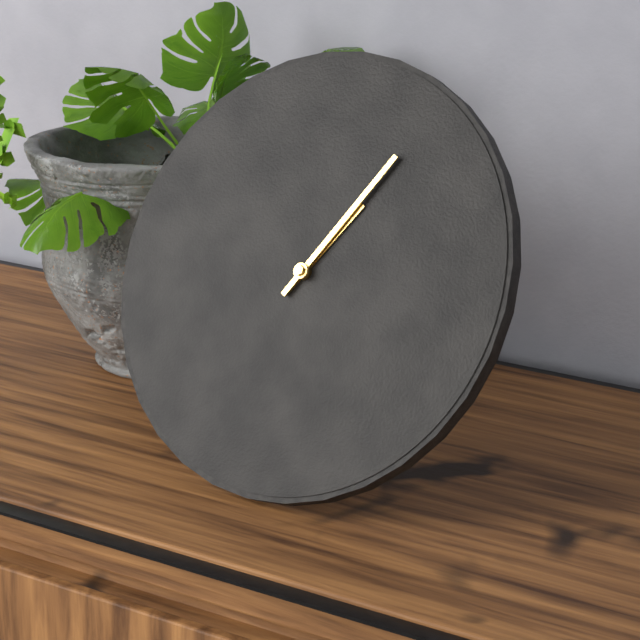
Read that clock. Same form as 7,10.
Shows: 1,05
